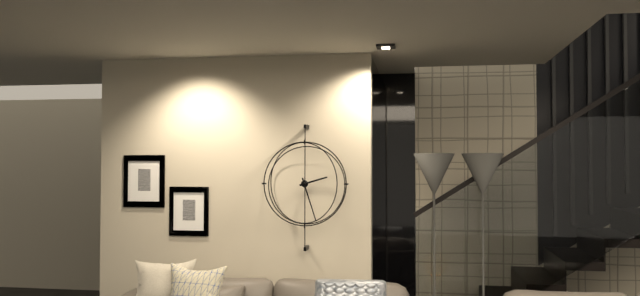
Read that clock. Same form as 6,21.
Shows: 2,27
